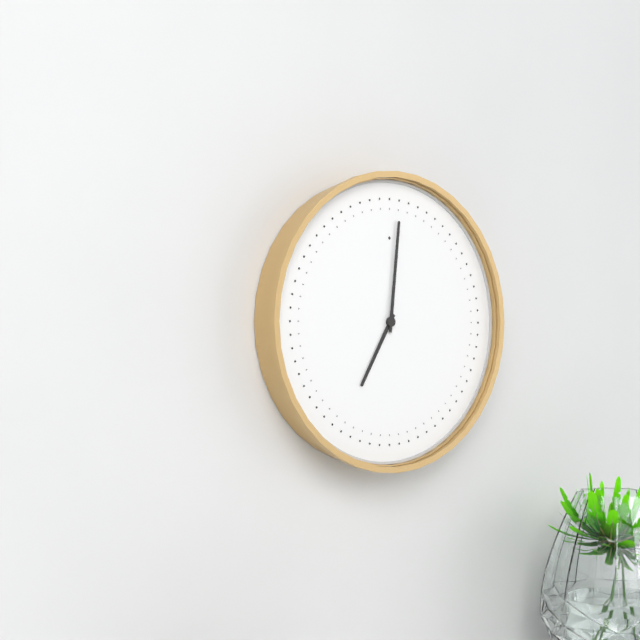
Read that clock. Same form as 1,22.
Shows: 7,01
